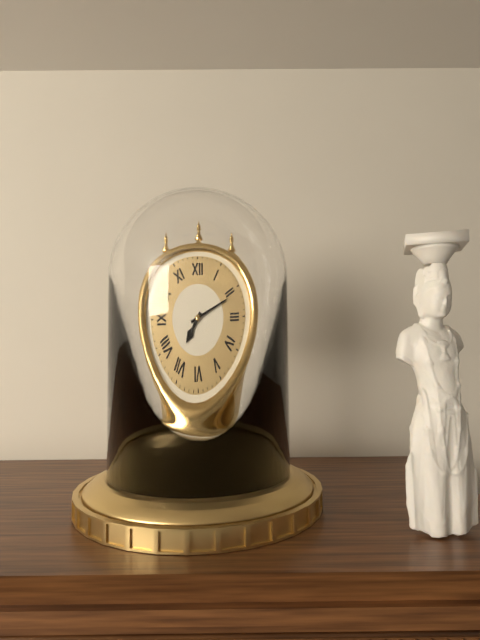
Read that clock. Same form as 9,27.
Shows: 7,11
